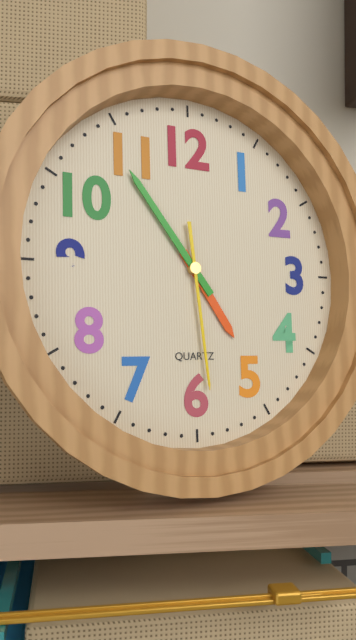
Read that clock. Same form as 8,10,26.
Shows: 4,54,29
